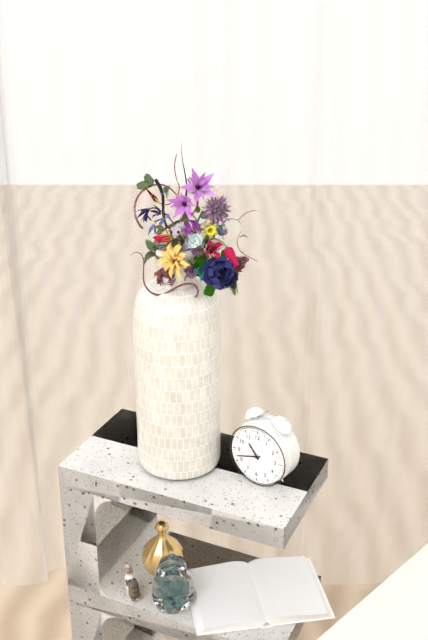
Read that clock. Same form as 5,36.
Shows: 10,42
